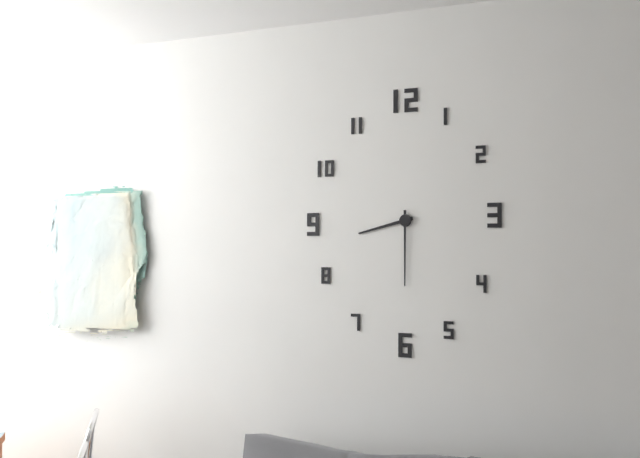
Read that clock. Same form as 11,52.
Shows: 8,30
